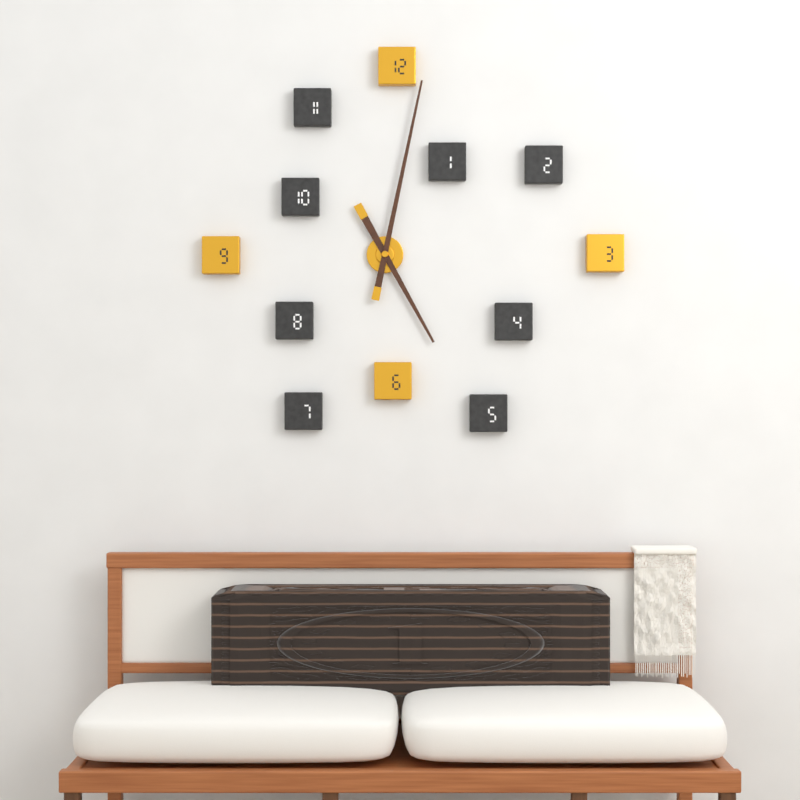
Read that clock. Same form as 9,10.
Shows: 5,02
